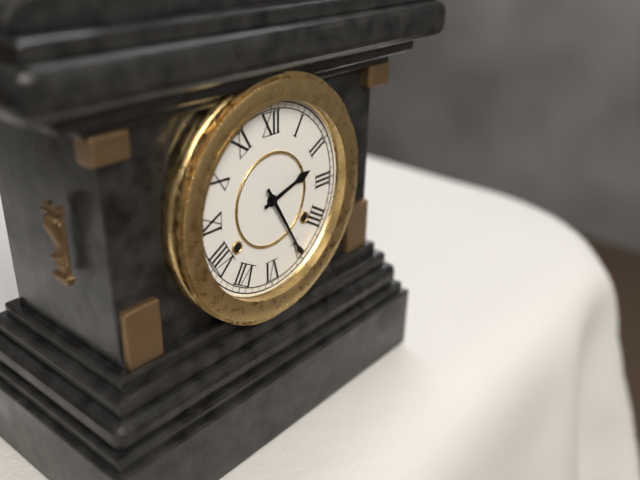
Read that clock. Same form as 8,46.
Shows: 2,25
